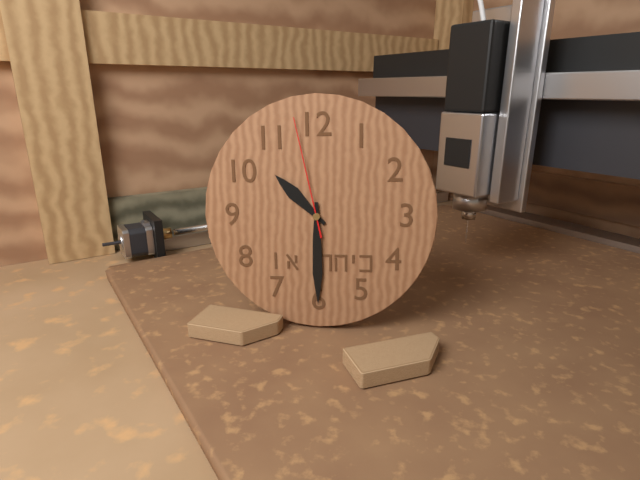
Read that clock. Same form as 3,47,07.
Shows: 10,30,58
